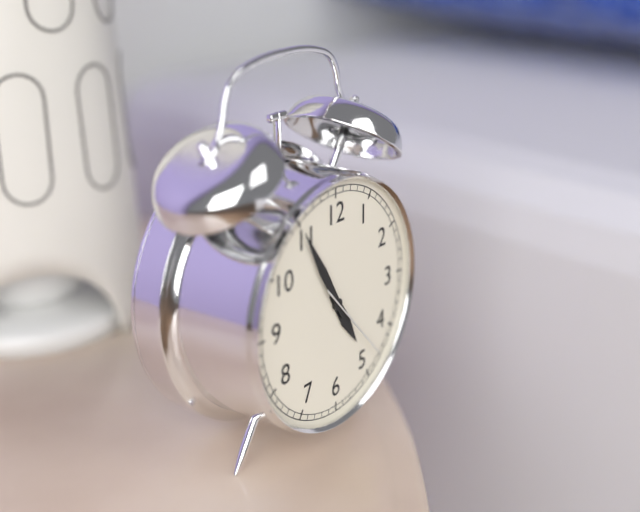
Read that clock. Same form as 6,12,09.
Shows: 4,55,23
